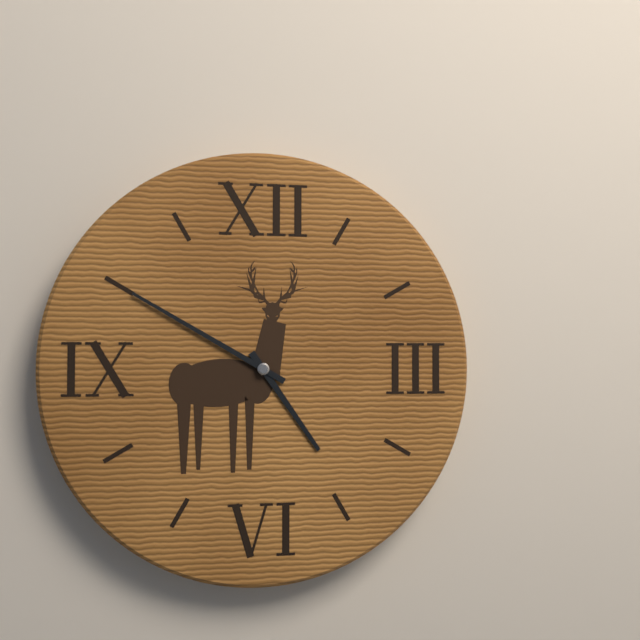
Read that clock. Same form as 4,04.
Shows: 4,50
